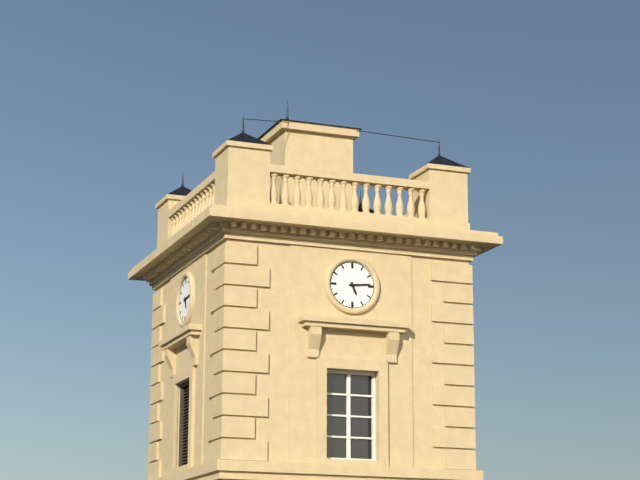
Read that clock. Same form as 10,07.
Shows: 5,14
